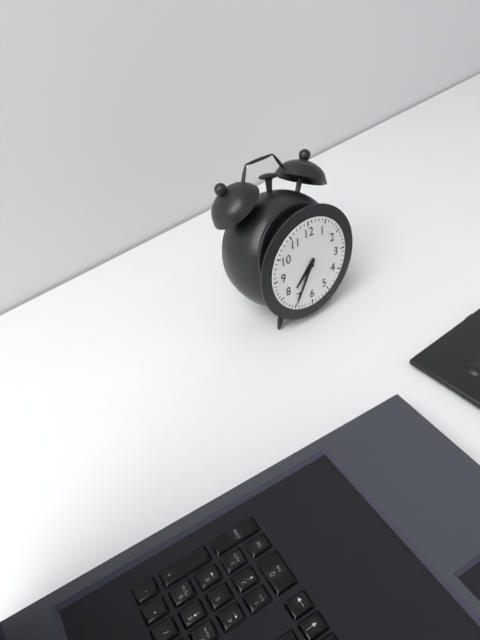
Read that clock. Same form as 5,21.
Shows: 7,35
